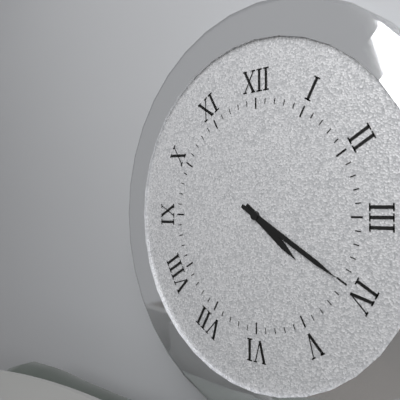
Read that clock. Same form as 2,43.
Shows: 4,20
